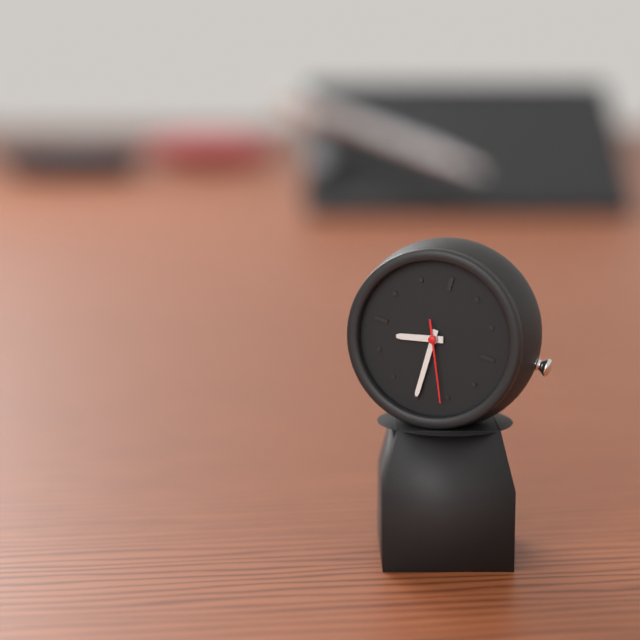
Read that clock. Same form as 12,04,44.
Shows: 8,30,26
